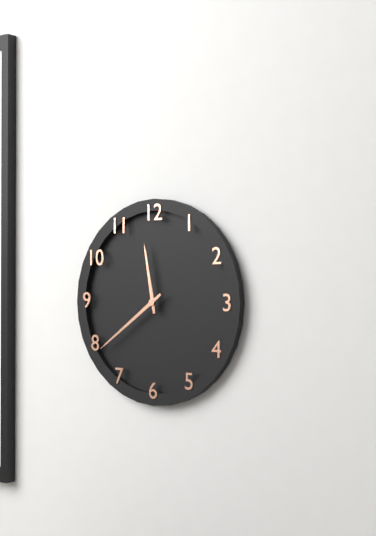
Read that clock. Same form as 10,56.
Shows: 11,39
